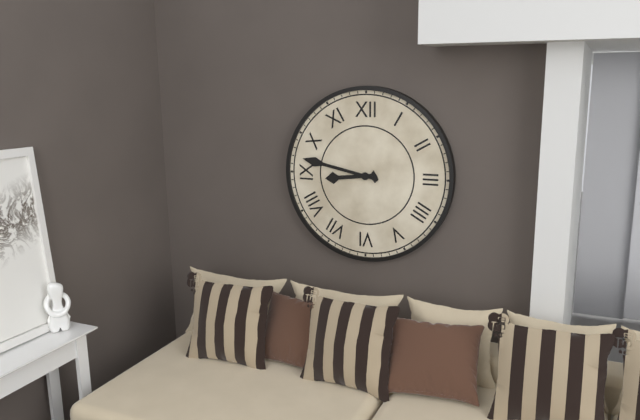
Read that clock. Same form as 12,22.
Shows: 8,47
